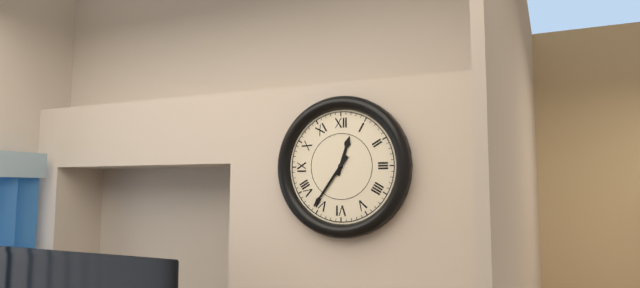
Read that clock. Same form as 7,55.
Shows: 12,36
